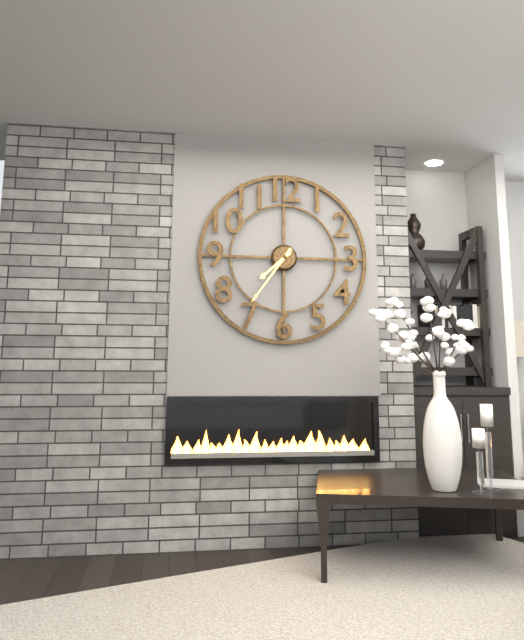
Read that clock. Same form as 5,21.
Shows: 7,36
